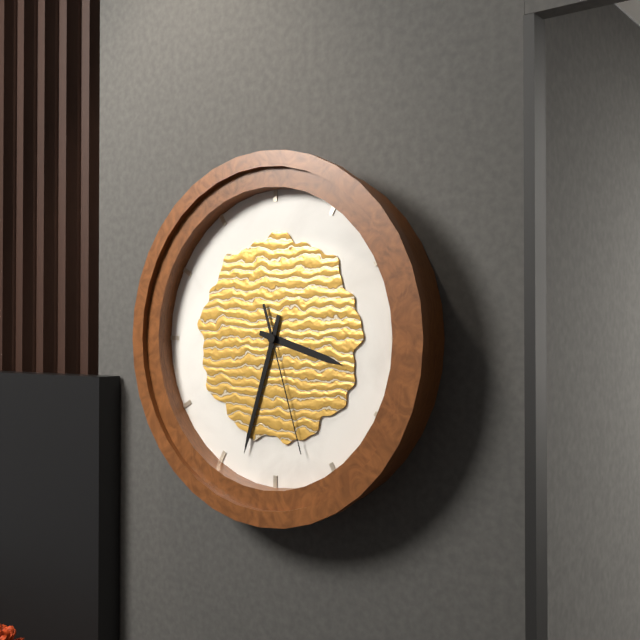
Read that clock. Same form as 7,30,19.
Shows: 3,33,27
